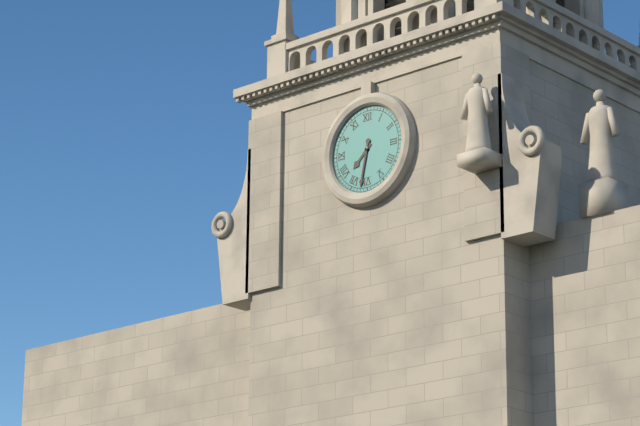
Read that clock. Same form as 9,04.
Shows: 7,32
